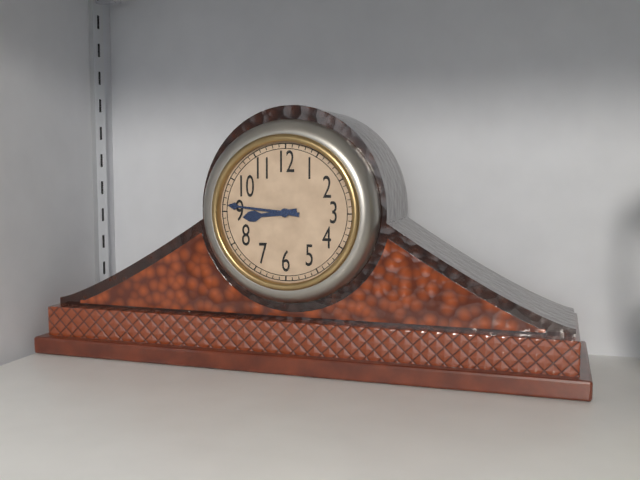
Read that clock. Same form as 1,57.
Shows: 8,46
